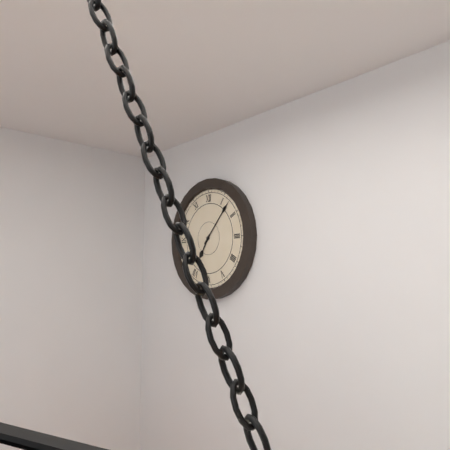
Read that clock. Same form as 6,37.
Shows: 7,07
